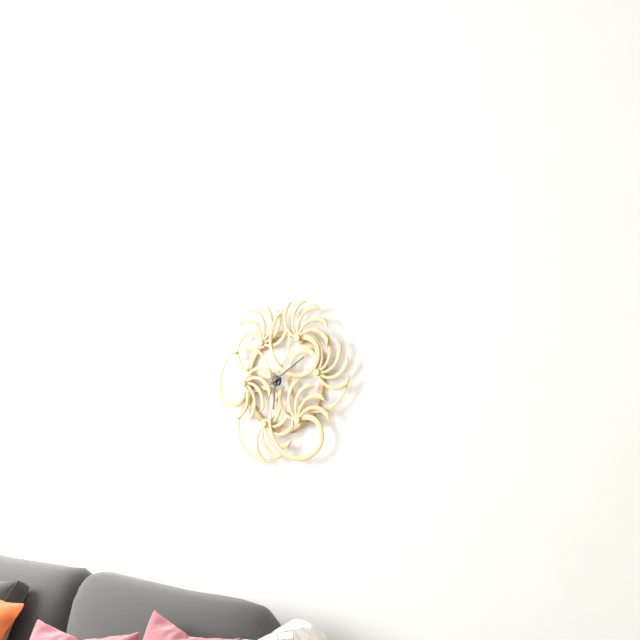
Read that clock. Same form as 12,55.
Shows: 6,10
